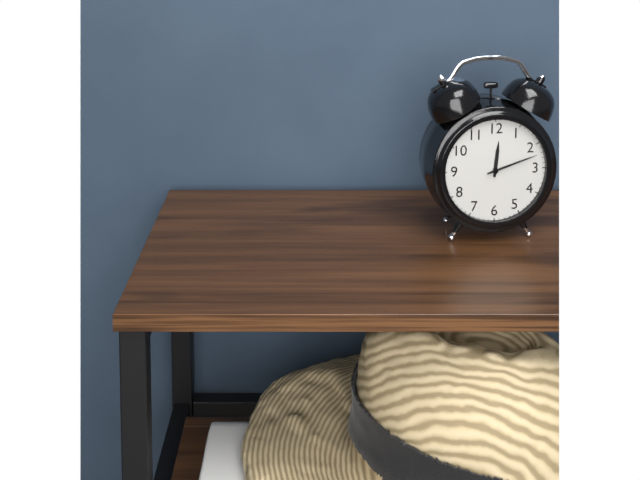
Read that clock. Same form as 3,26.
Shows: 12,12
